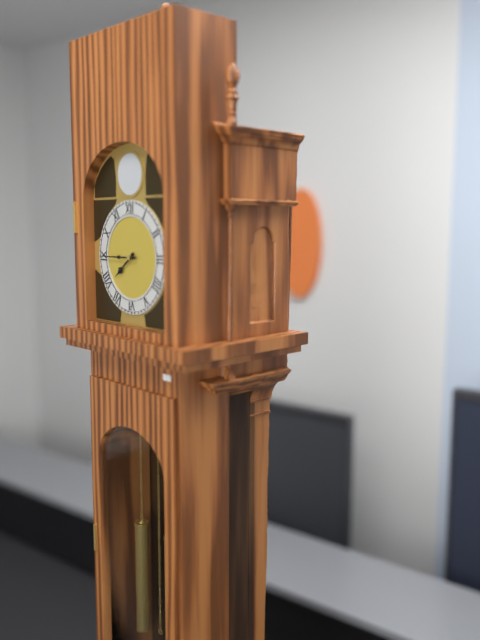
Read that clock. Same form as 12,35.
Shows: 7,45
